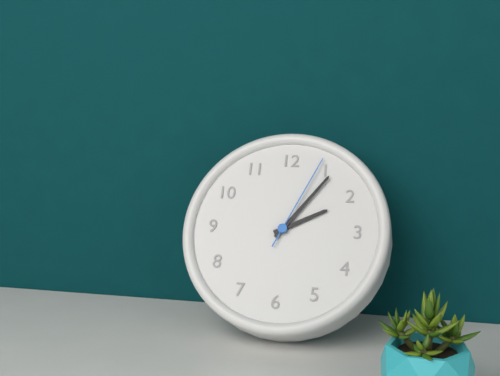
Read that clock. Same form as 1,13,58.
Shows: 2,06,04
